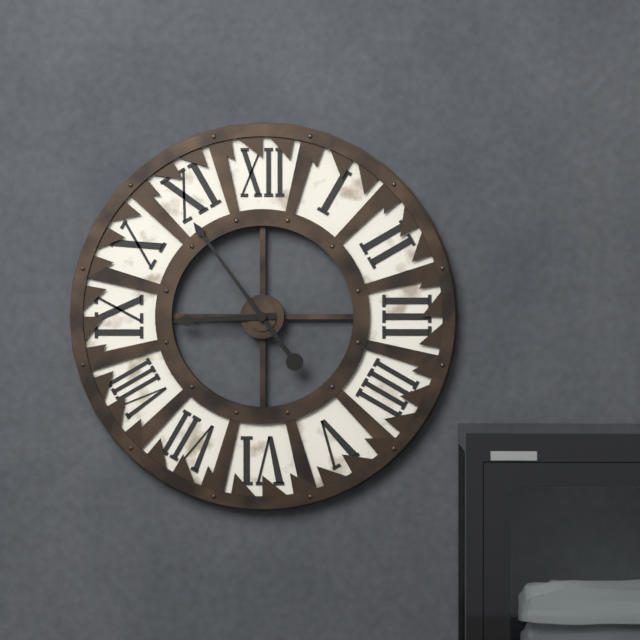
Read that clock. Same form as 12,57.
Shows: 8,54
